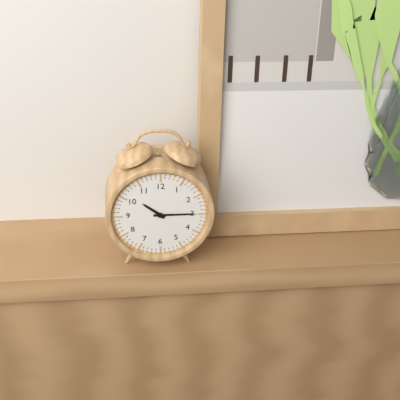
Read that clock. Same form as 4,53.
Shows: 10,15
